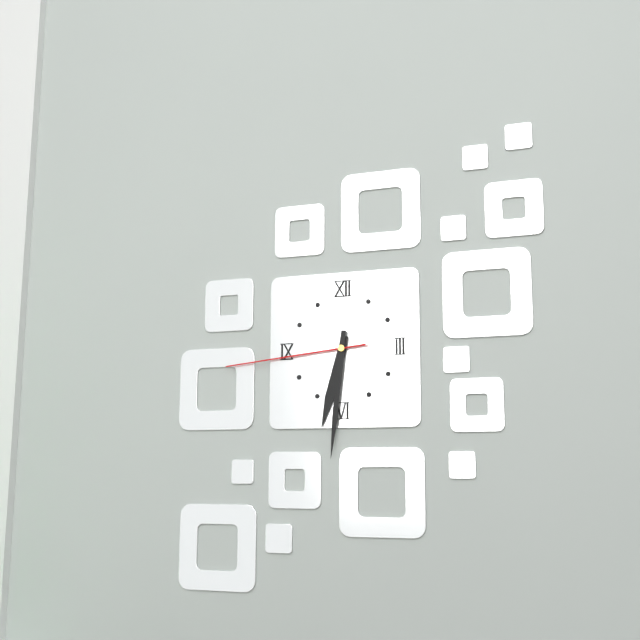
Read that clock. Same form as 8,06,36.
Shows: 6,31,44
